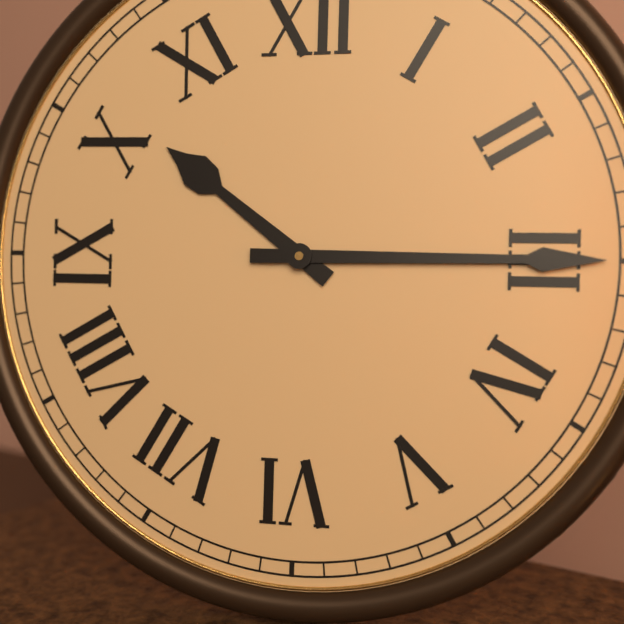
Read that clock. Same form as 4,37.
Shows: 10,15
